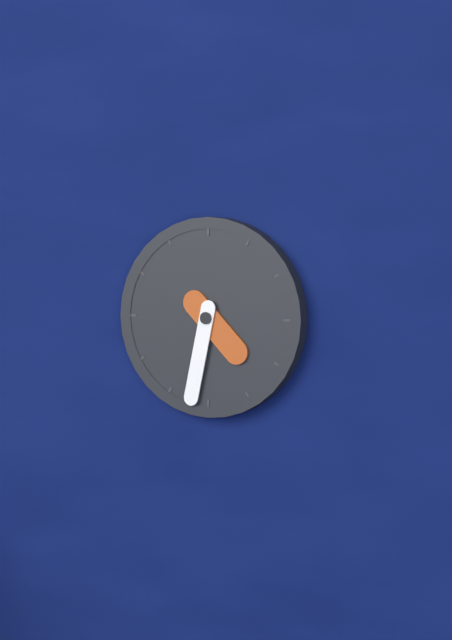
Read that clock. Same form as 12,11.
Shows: 4,32
